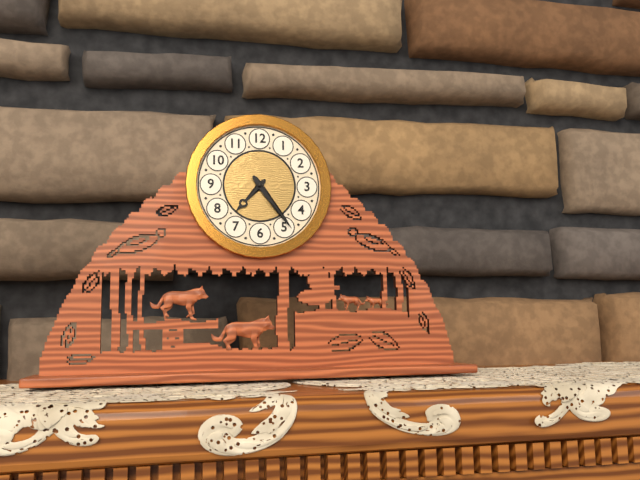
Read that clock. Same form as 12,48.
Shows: 7,24
